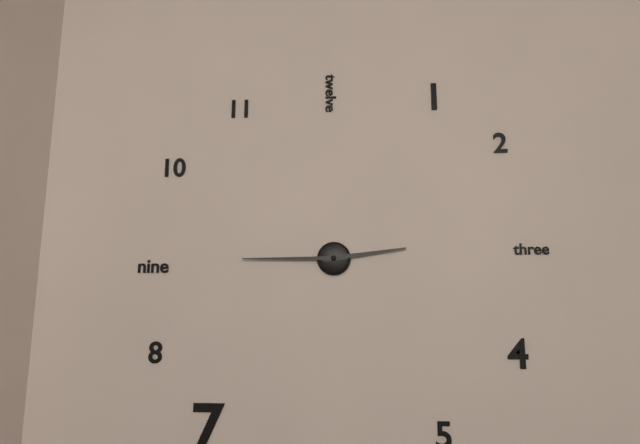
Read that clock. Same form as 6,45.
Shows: 2,45
